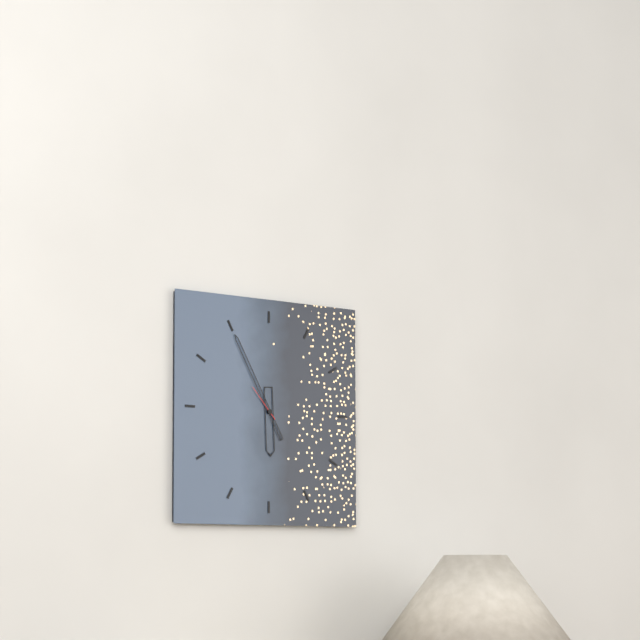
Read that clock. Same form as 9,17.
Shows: 5,55
